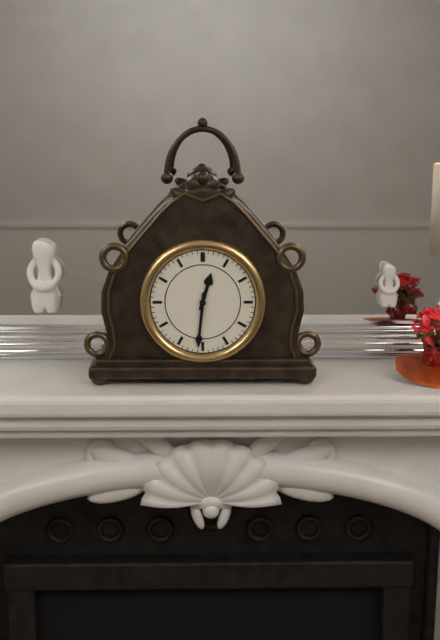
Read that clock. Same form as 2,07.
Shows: 12,31
